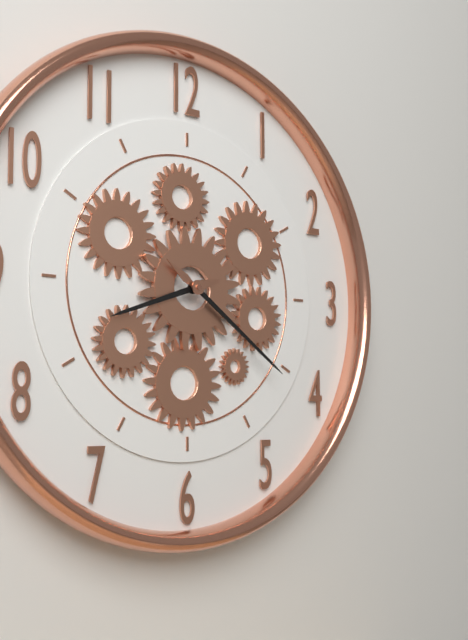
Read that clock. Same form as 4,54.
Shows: 8,21
